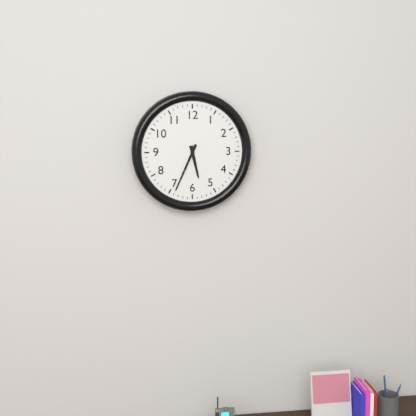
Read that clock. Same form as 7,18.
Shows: 5,34
